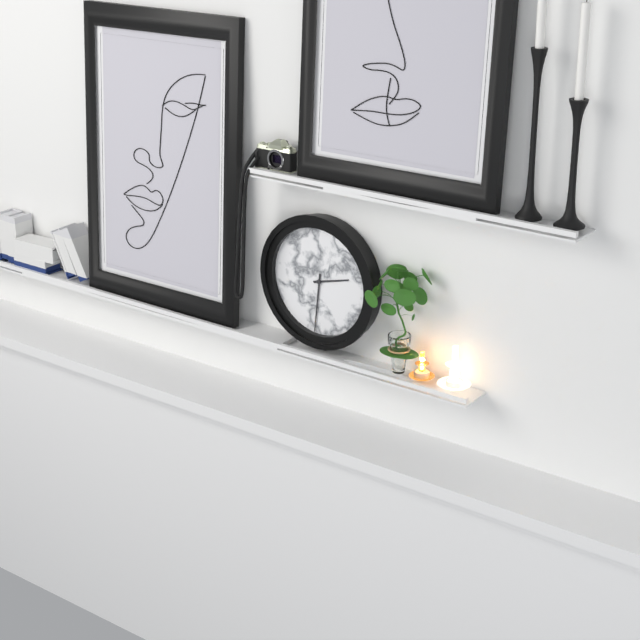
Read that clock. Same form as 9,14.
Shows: 2,31
